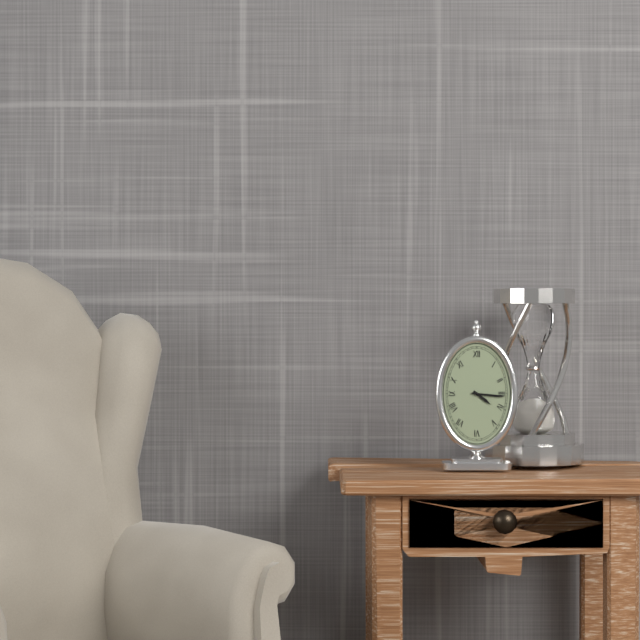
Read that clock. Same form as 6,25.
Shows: 4,16
